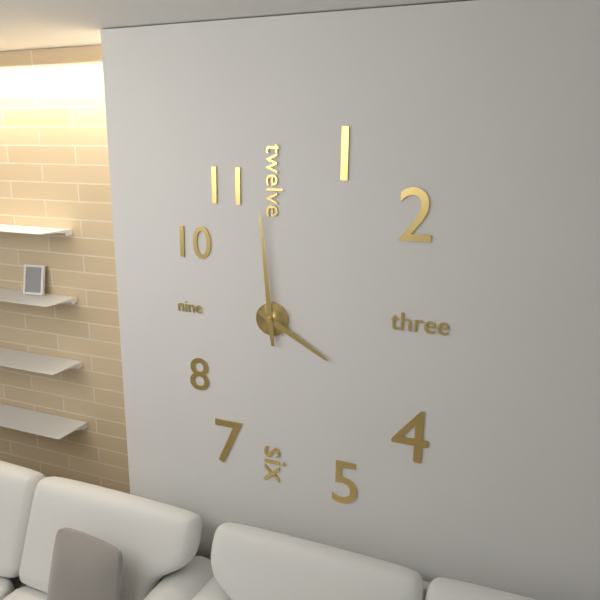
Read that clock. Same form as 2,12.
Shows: 3,59
